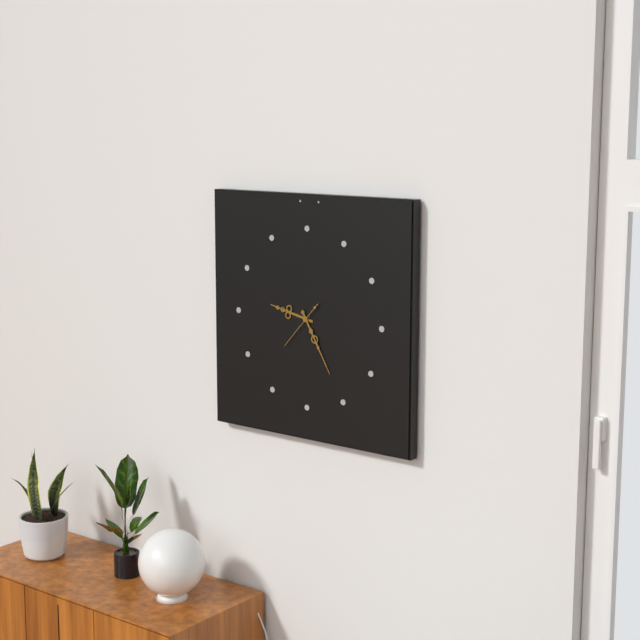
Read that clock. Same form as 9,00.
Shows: 9,25
